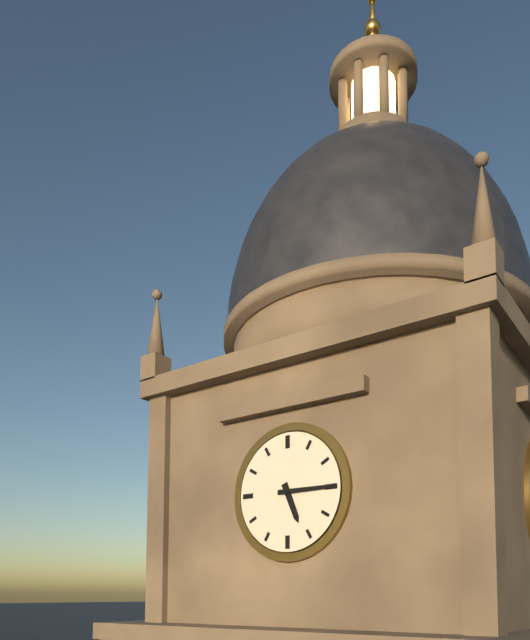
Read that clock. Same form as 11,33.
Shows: 5,15
